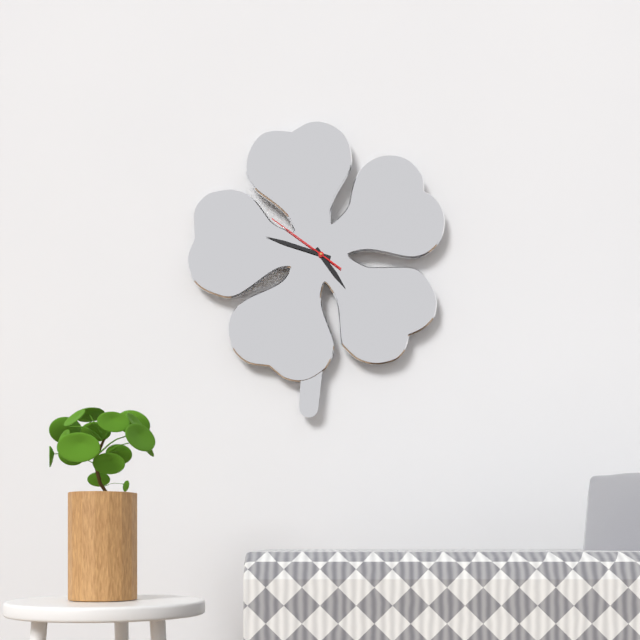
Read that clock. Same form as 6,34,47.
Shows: 4,48,51
